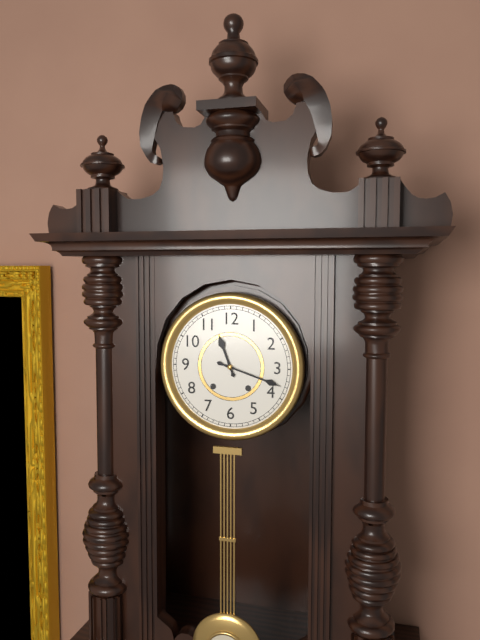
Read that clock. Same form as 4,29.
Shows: 11,18
